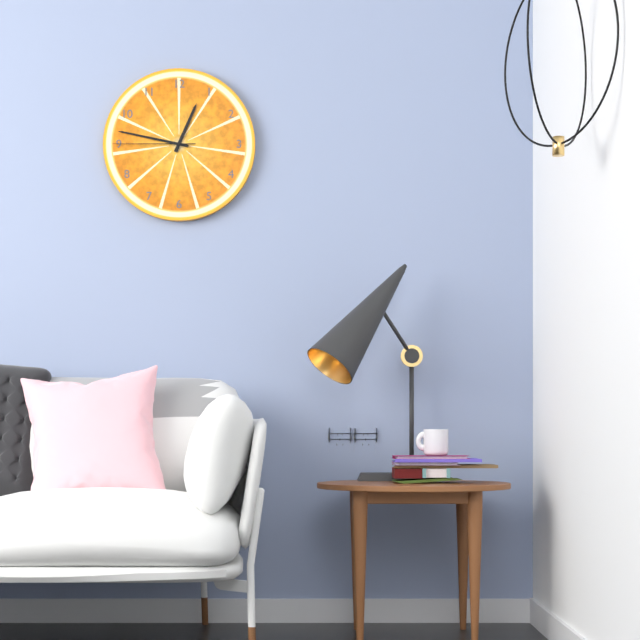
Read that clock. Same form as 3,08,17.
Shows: 12,47,45
